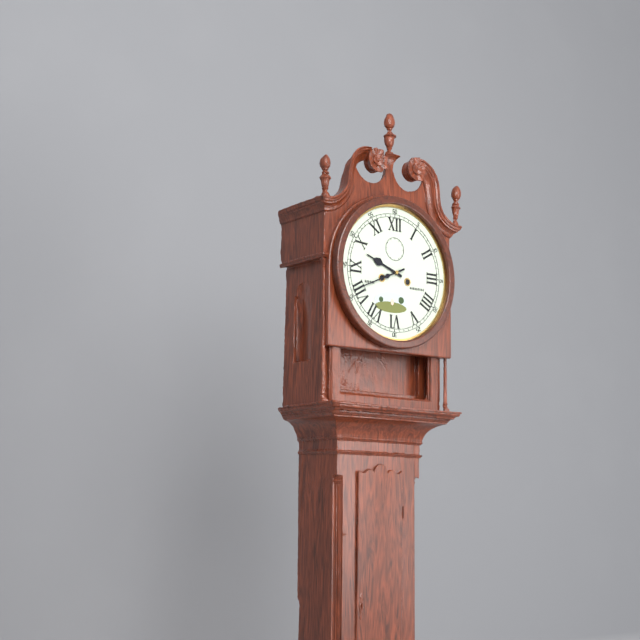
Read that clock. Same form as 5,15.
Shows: 9,41
